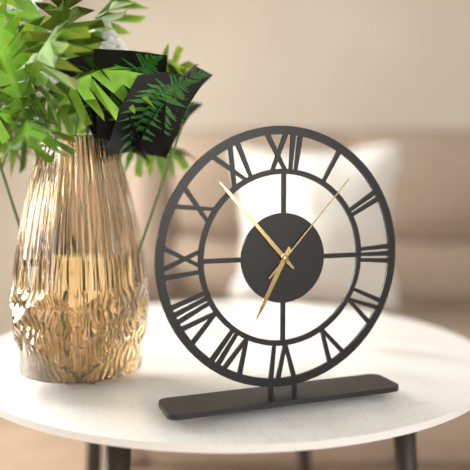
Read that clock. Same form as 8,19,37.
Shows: 6,53,07
